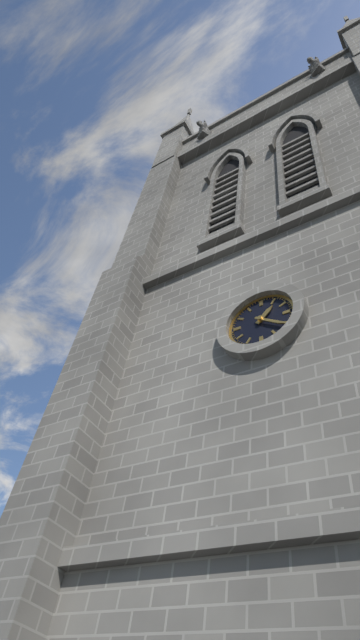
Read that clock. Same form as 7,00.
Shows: 1,21
